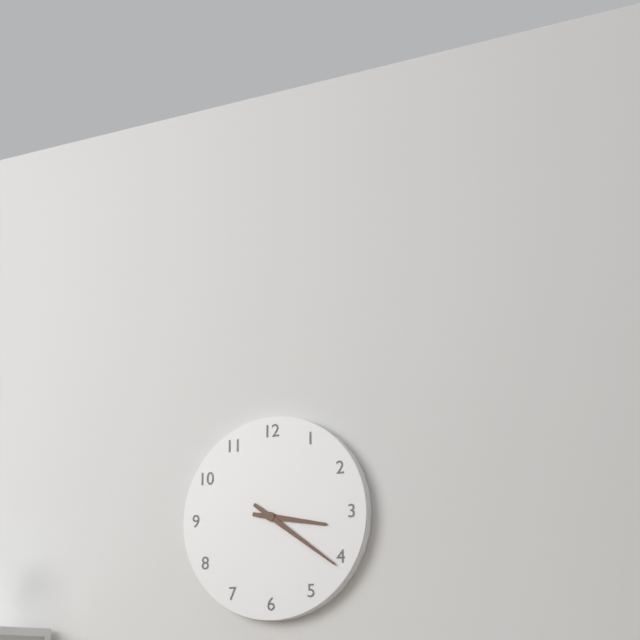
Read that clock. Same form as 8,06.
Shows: 3,21
